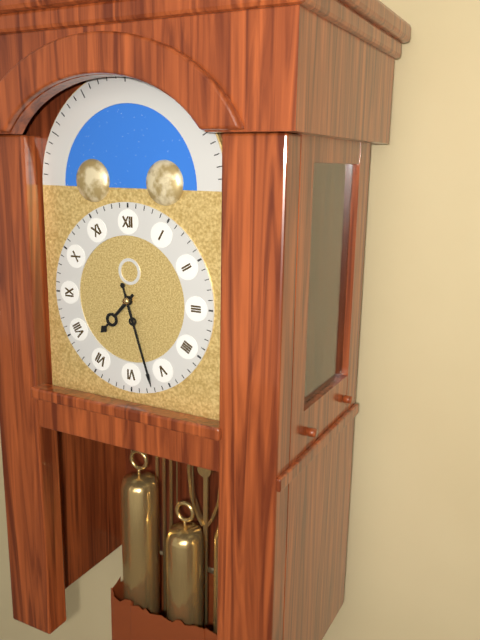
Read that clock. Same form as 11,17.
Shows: 7,27
